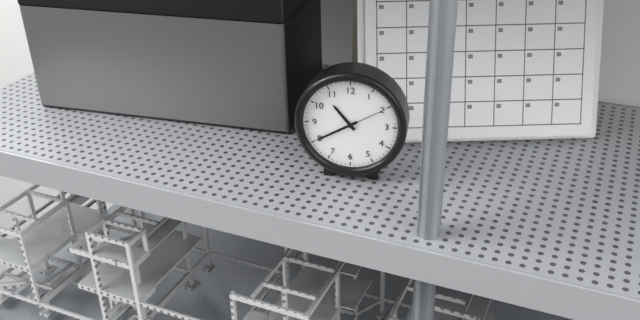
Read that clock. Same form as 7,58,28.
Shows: 10,40,10
